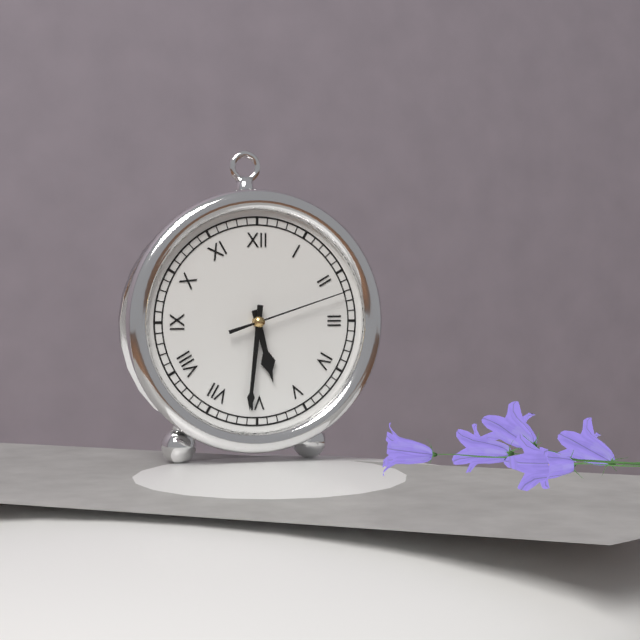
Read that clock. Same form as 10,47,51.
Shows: 5,31,12
